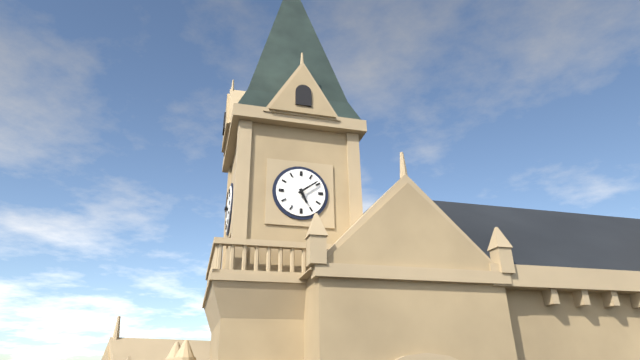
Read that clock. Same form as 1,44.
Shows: 5,09
